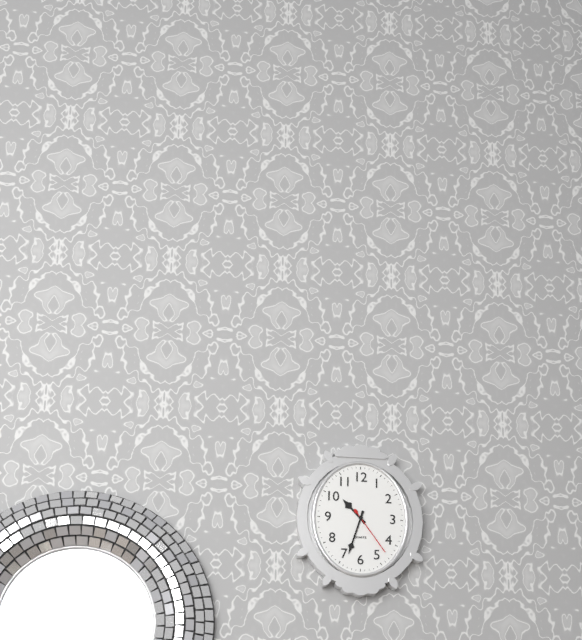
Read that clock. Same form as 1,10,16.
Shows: 10,33,24
